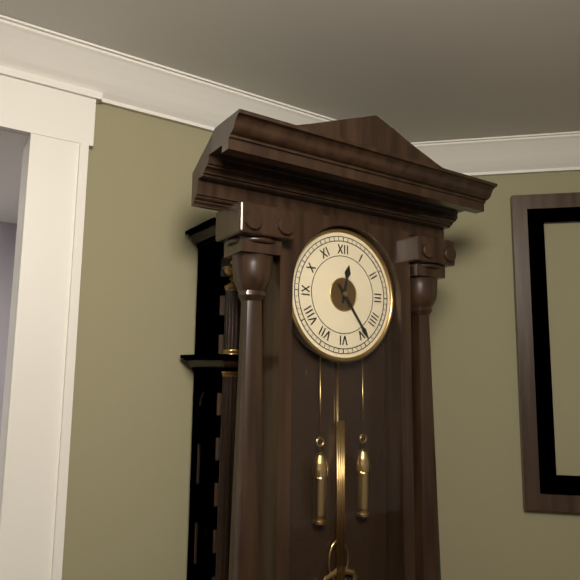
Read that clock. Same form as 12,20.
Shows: 12,24
